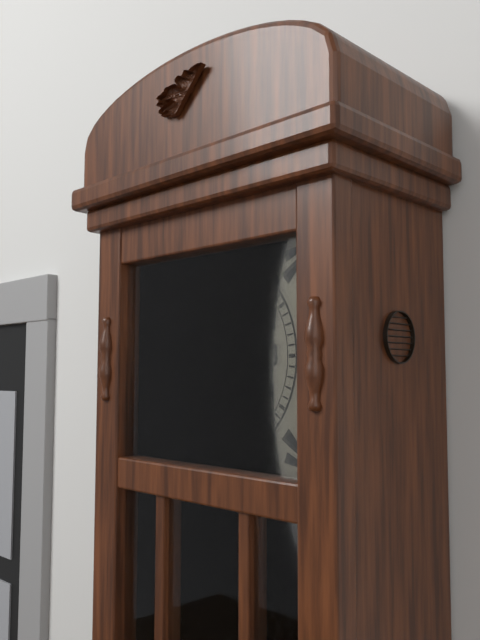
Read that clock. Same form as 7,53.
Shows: 7,42
